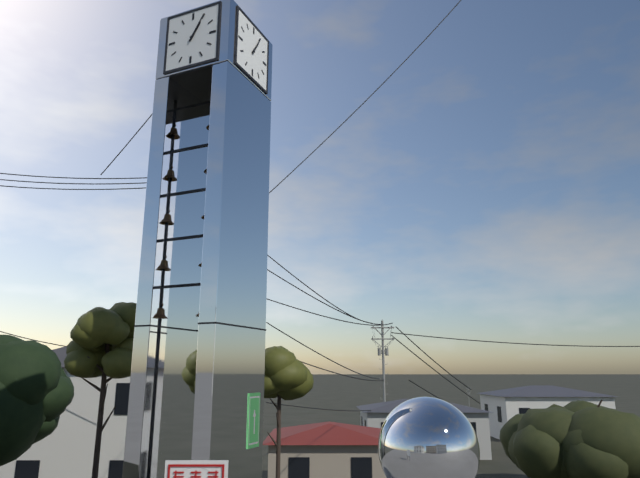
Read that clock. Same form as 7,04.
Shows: 1,05
